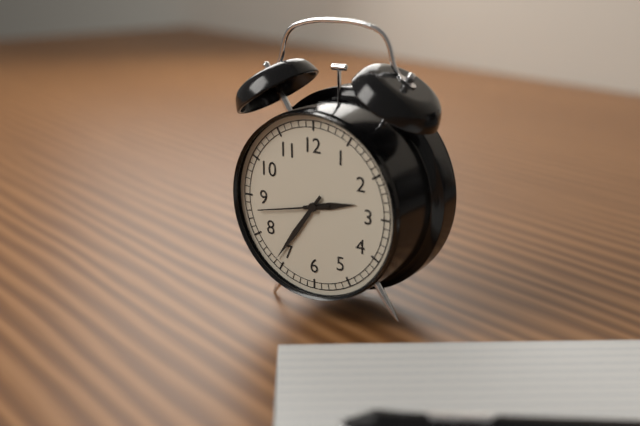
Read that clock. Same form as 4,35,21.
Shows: 2,36,43
